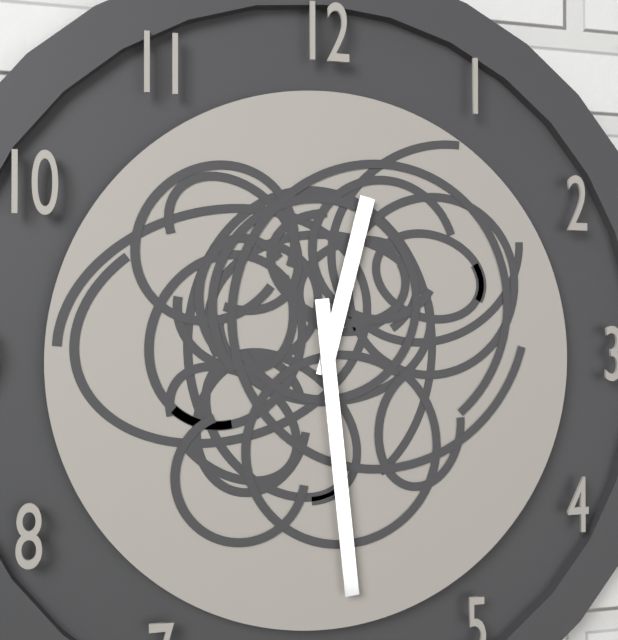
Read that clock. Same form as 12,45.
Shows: 12,29
